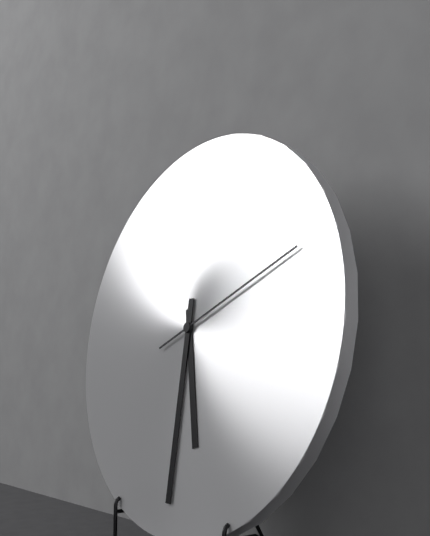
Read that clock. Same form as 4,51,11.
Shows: 5,30,11
